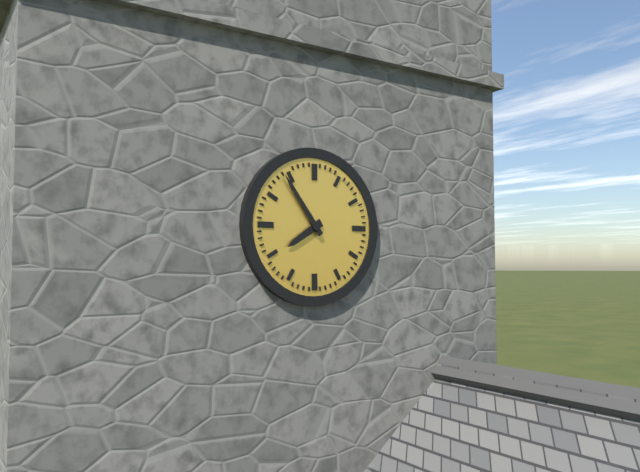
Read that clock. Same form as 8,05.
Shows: 7,54
